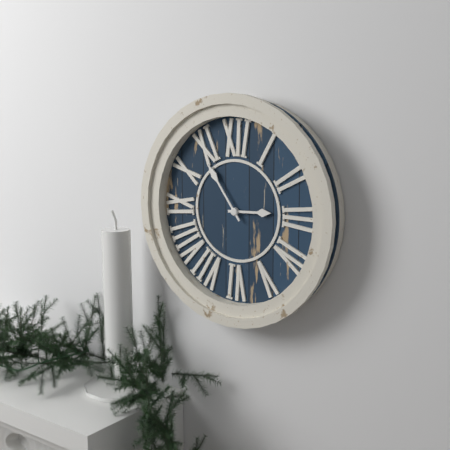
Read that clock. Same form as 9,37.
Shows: 2,54
